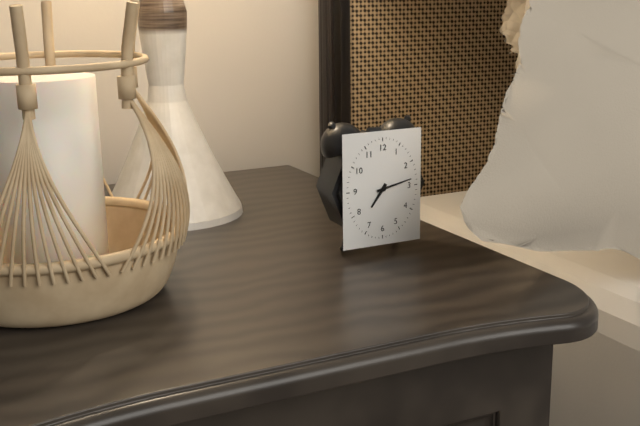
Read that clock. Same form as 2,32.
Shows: 7,13
